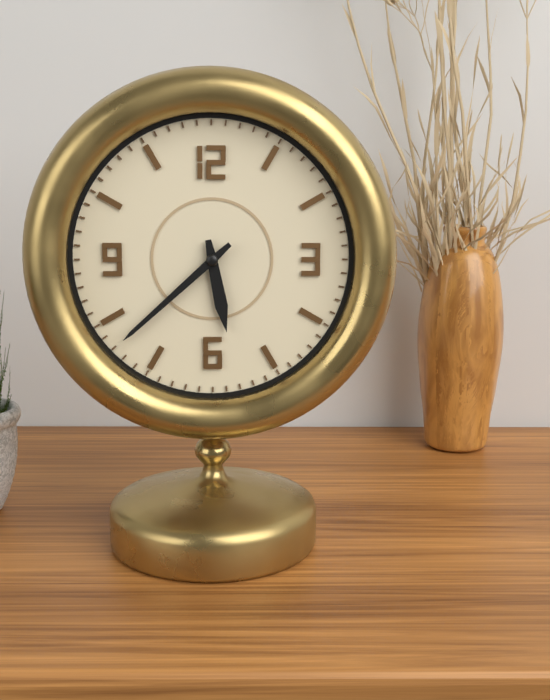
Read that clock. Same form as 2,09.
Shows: 5,38
